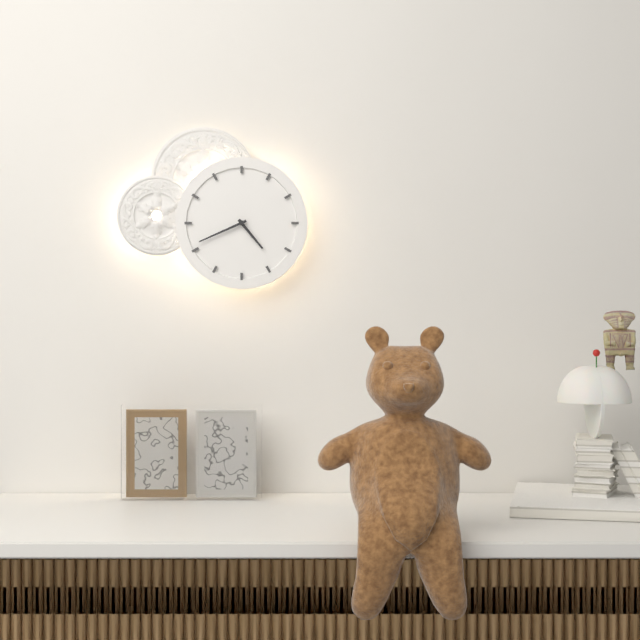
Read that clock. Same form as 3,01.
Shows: 4,41
